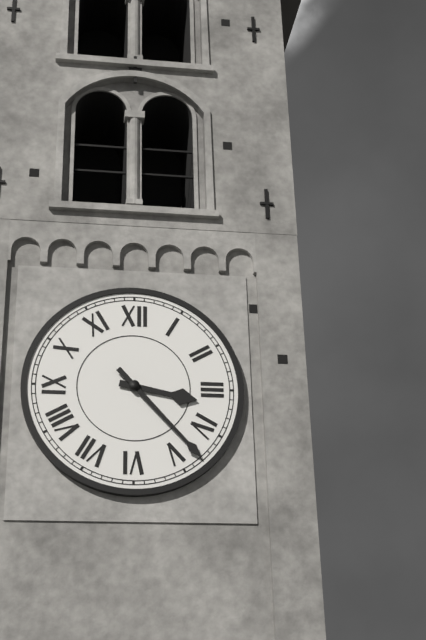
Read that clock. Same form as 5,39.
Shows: 3,23
